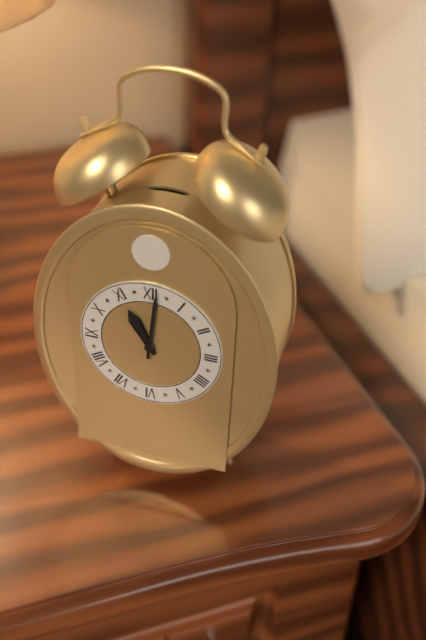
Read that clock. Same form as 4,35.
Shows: 11,01
